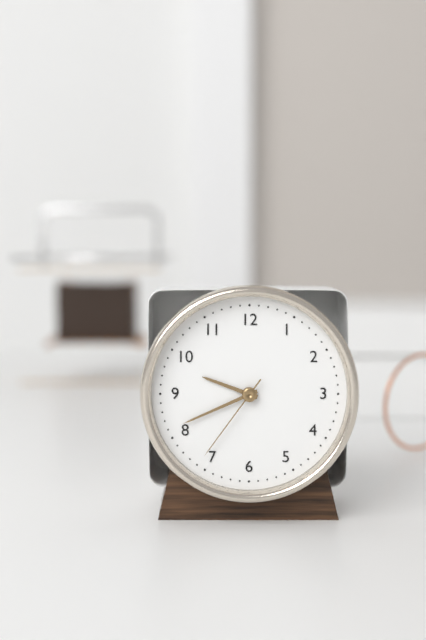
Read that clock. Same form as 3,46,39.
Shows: 9,41,36
